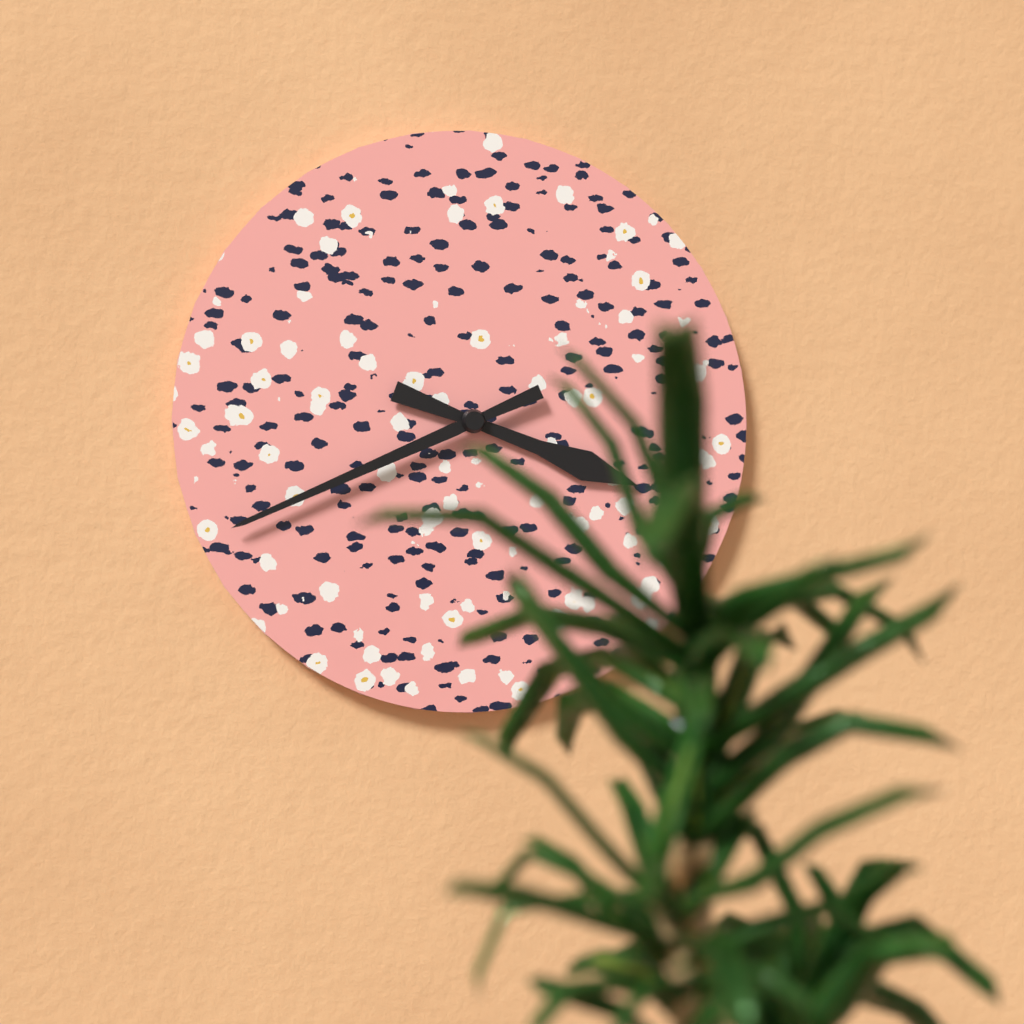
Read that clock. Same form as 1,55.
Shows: 3,41
